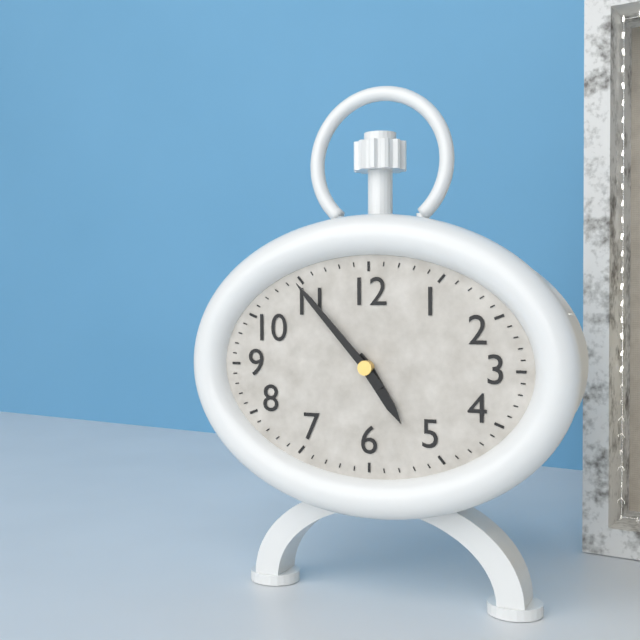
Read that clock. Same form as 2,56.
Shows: 4,53
